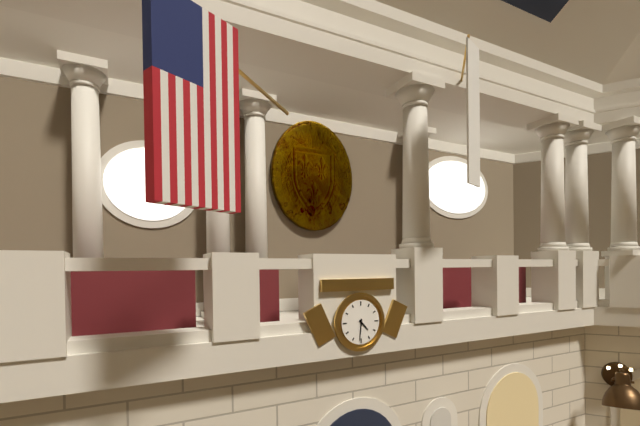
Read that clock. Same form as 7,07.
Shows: 4,31
